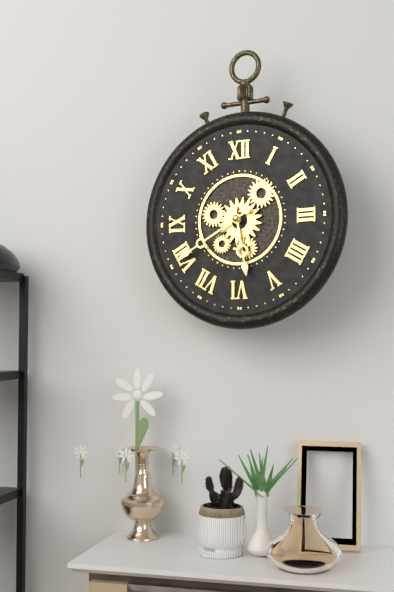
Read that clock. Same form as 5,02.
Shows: 5,40
